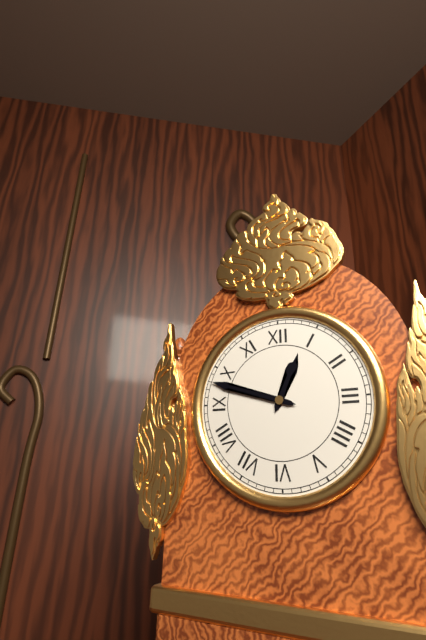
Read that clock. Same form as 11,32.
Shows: 12,48
